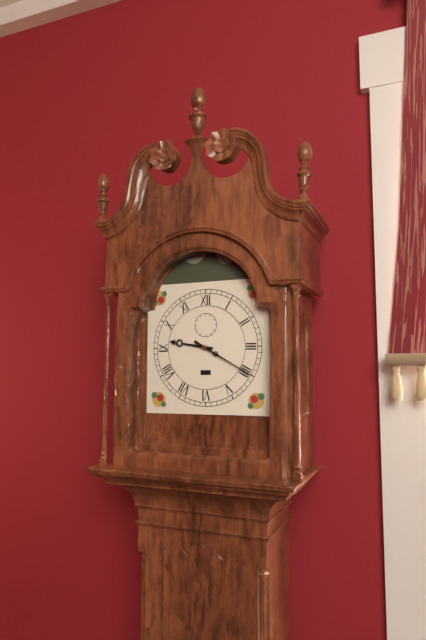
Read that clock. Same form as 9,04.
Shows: 9,20
